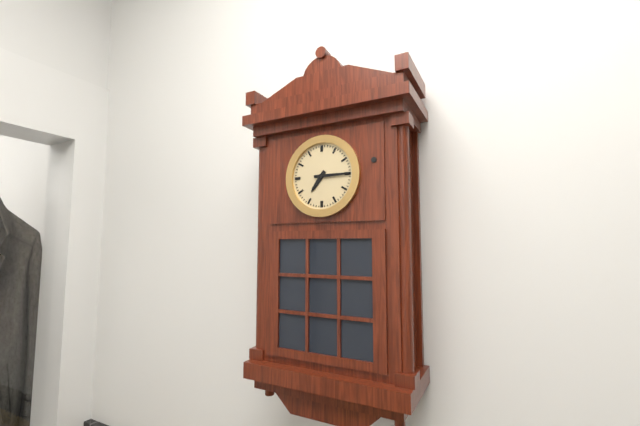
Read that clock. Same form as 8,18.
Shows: 7,15
